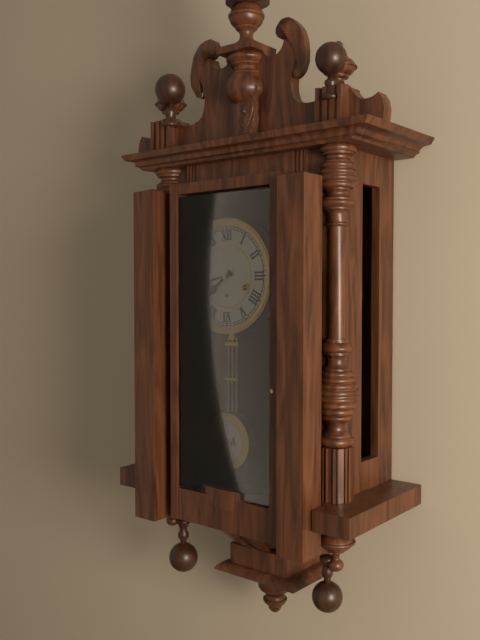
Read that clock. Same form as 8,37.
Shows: 7,43
